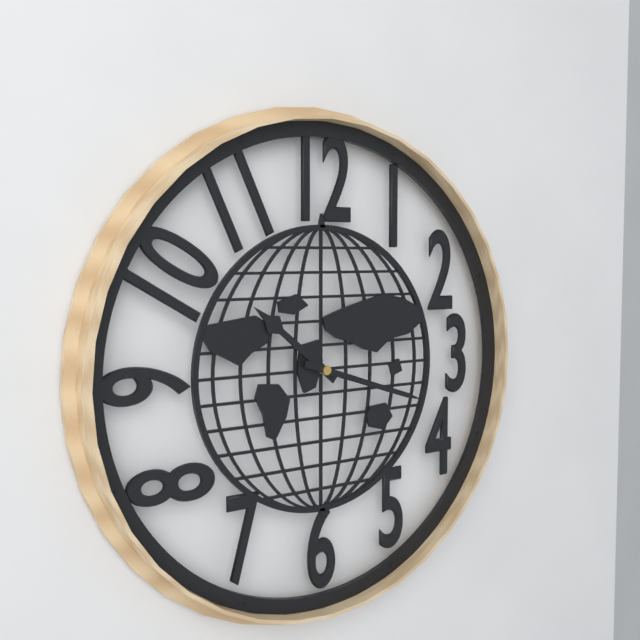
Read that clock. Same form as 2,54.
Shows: 10,18
